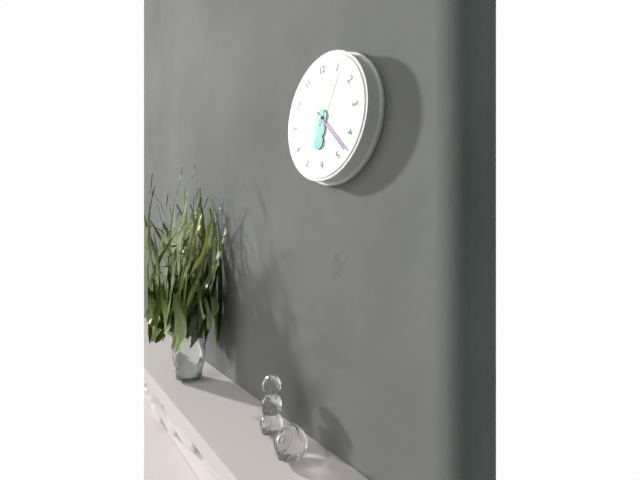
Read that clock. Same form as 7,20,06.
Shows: 6,23,05
